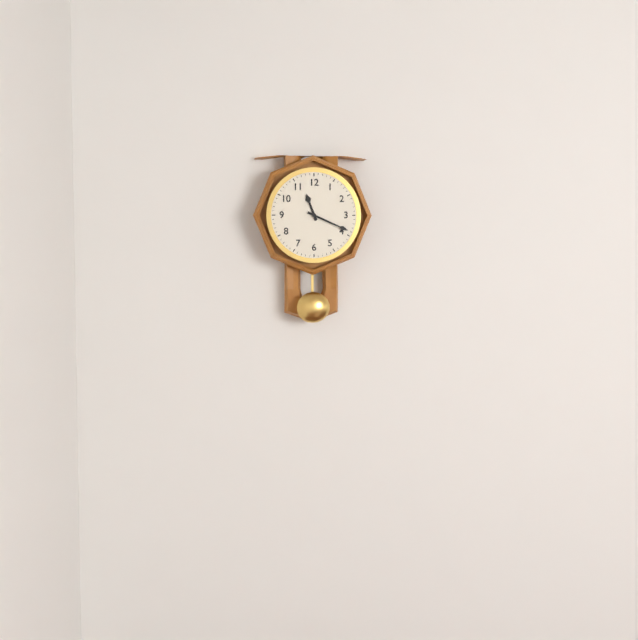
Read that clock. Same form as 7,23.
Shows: 11,19
